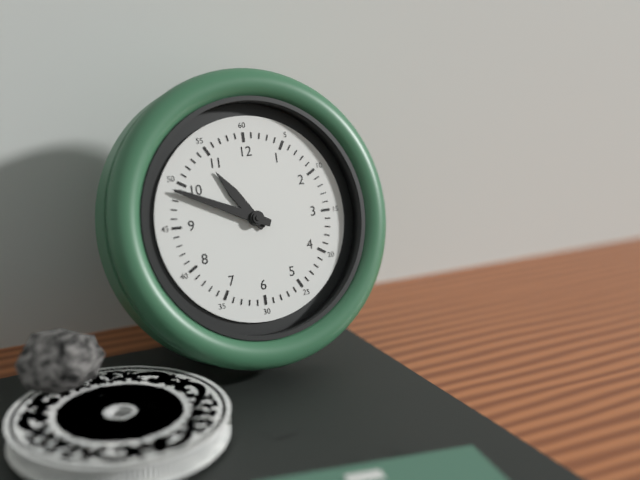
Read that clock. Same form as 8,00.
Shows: 10,49
